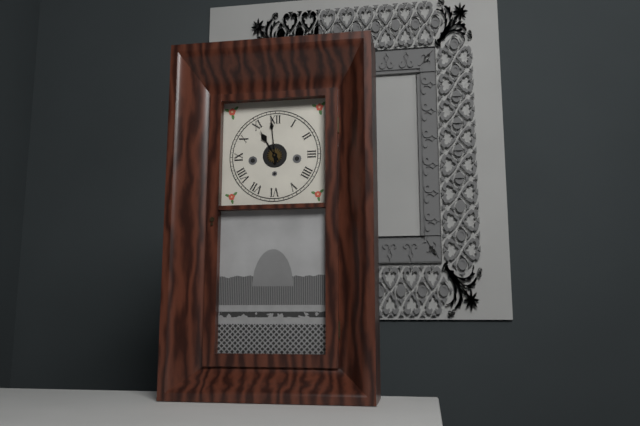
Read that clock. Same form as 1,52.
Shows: 10,59
